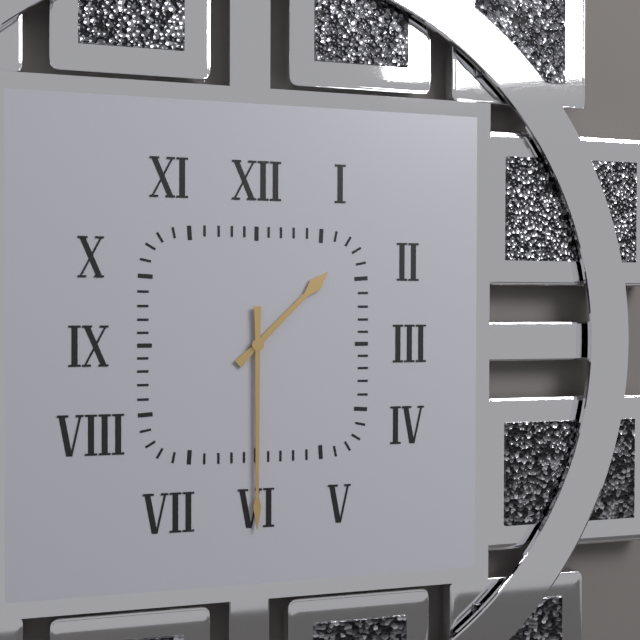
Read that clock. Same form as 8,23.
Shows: 1,30
